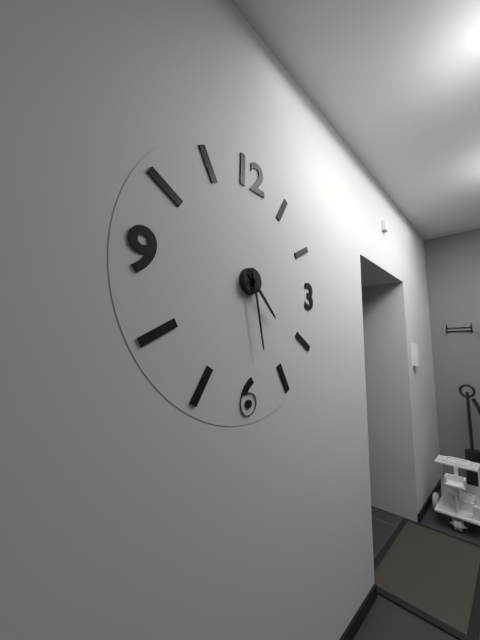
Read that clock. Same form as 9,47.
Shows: 4,28
